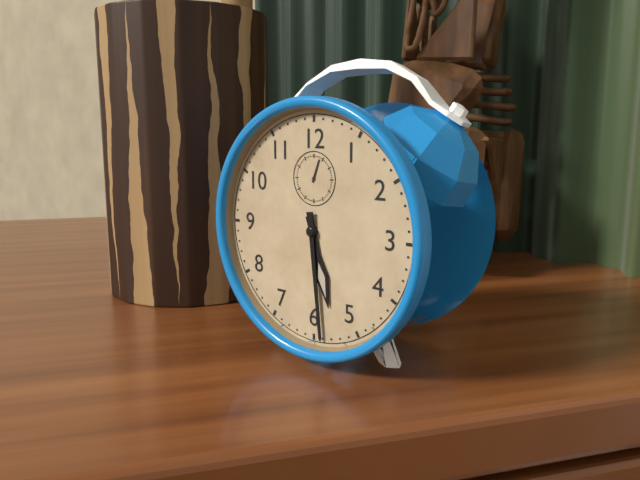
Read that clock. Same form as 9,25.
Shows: 5,29
